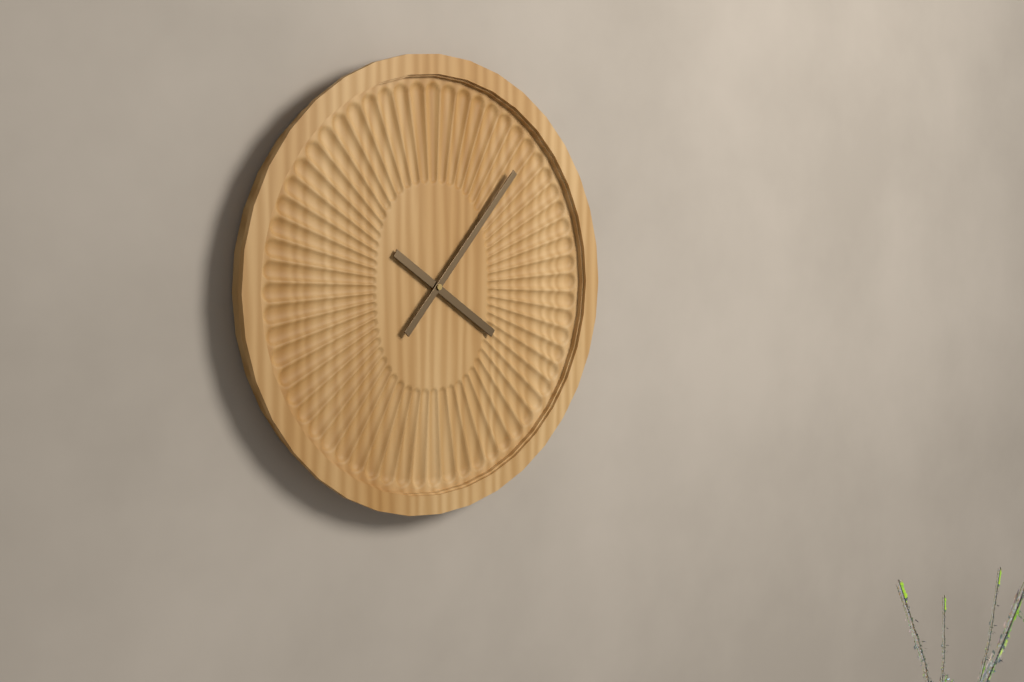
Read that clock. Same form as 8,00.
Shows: 4,07
